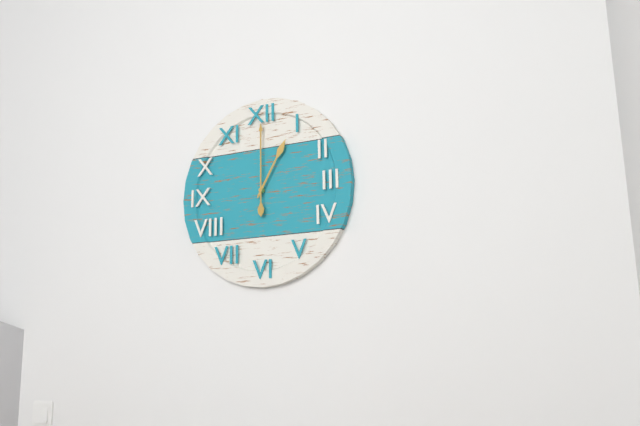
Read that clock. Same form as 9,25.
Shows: 1,00
